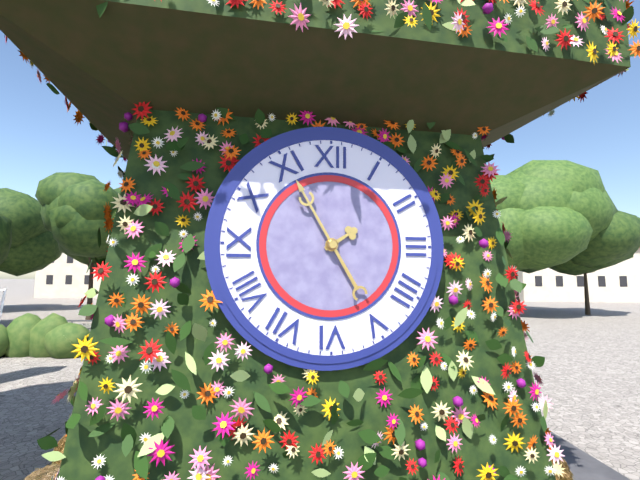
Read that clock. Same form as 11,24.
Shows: 1,55
